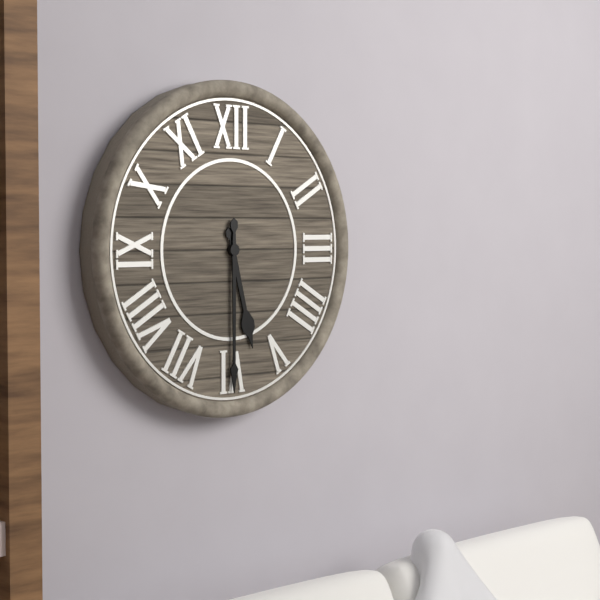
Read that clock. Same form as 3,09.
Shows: 5,30
